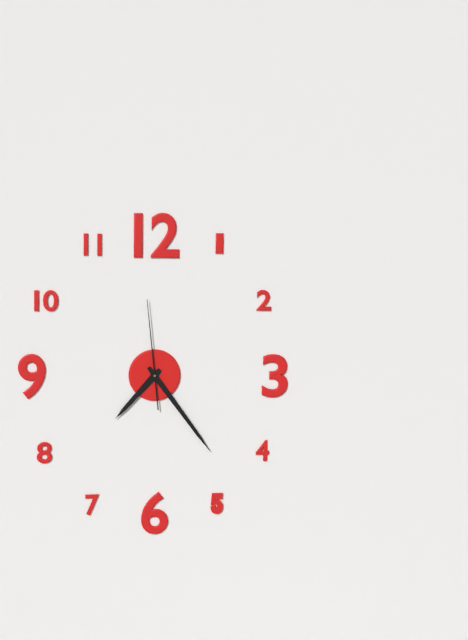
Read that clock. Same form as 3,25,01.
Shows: 7,24,59
